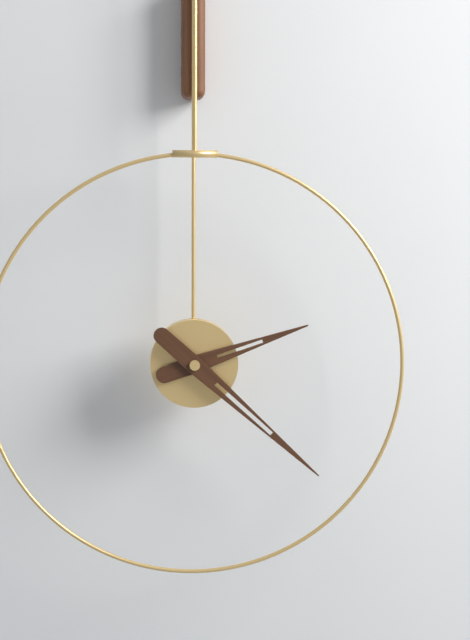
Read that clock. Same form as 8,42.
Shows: 2,22
